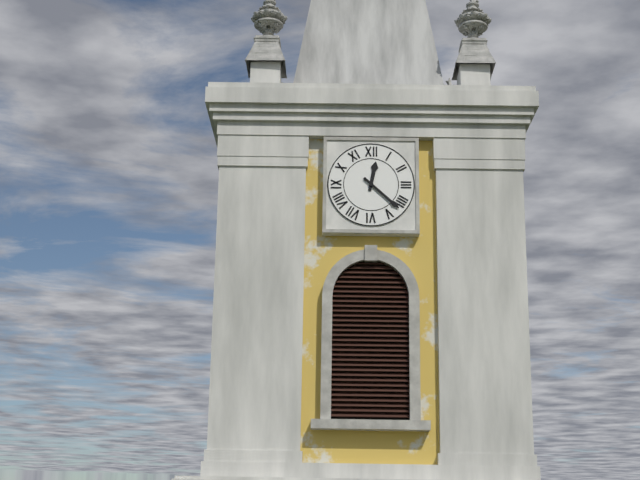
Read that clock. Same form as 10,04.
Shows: 12,22
